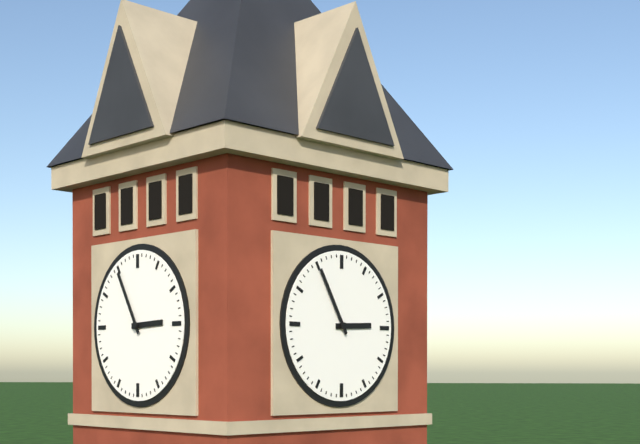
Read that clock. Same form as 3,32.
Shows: 2,55
